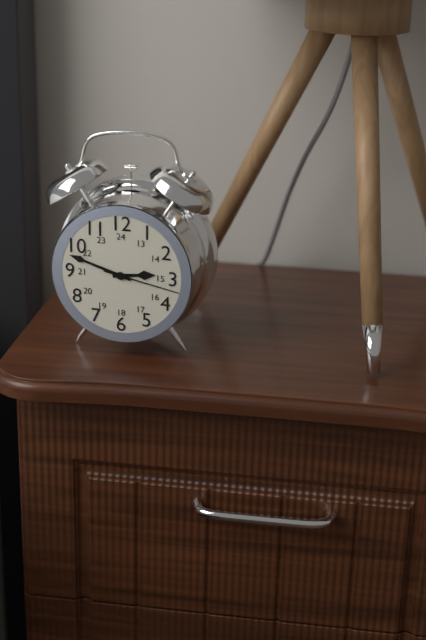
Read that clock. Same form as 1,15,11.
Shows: 2,48,17
